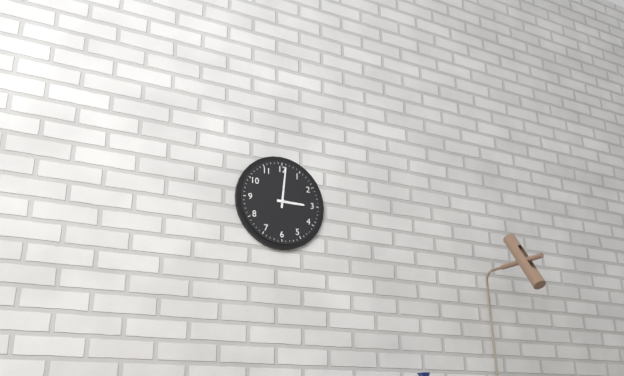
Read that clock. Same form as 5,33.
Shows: 3,01
